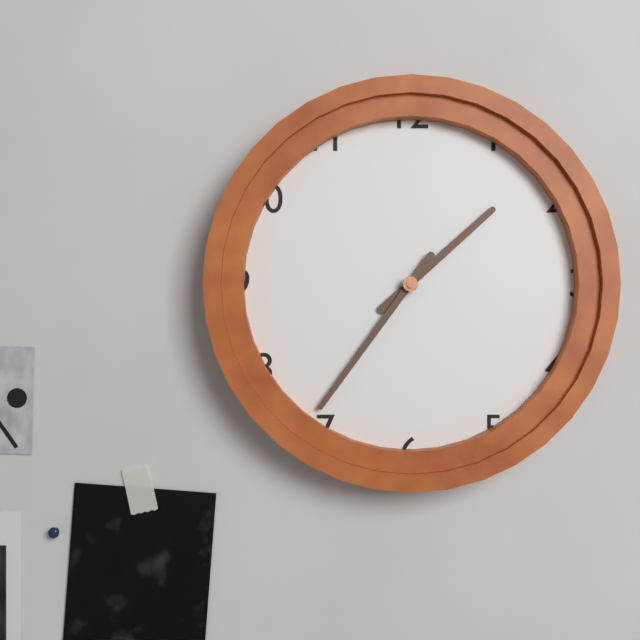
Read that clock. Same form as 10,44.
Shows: 1,36
